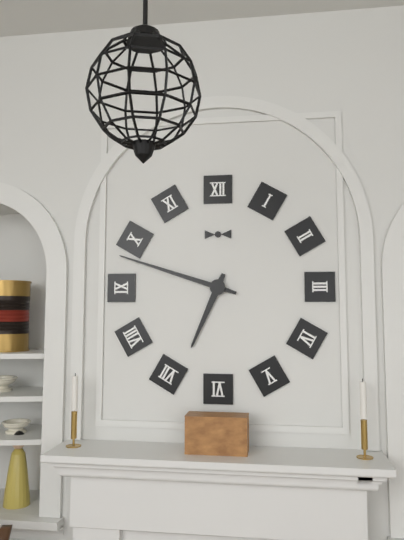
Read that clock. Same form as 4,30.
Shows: 6,48
